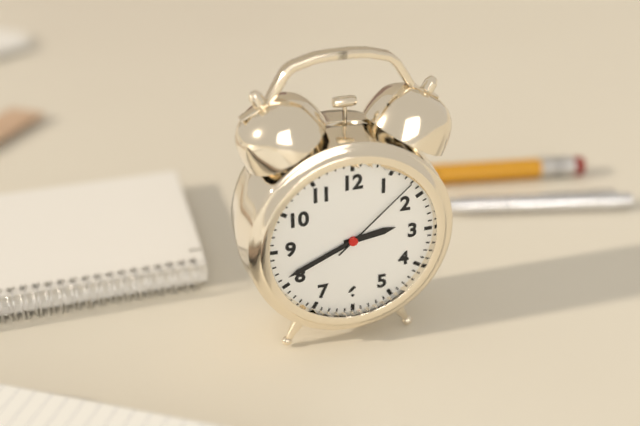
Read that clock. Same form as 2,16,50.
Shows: 2,41,08
